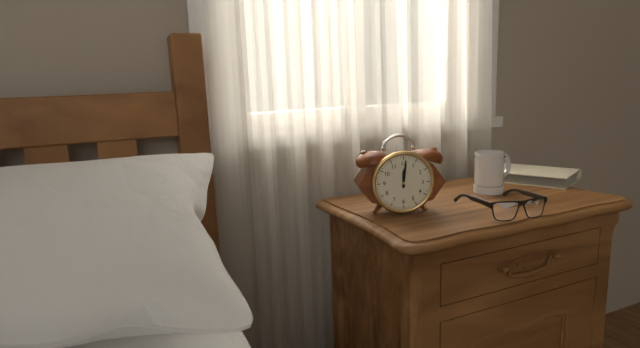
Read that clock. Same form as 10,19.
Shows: 12,01
